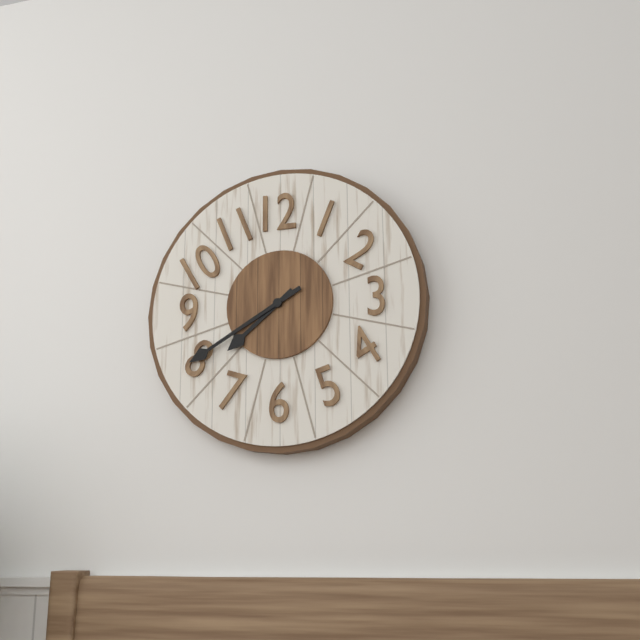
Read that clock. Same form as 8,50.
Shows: 7,40
